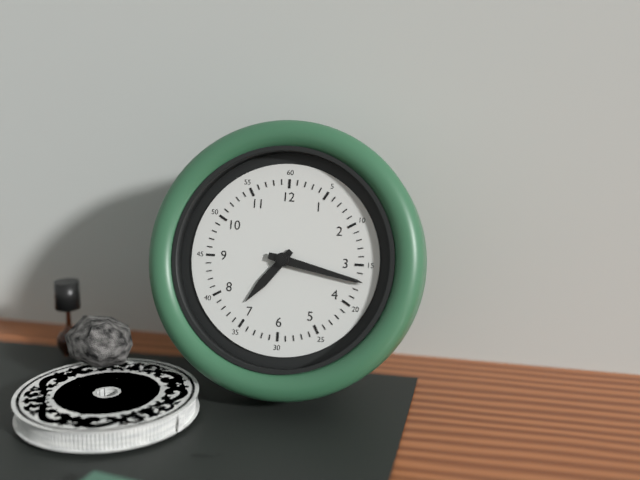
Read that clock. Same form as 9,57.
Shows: 7,17
